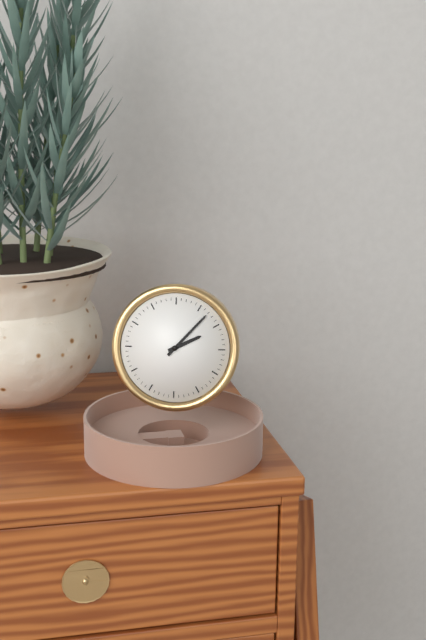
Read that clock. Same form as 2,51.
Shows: 2,07
